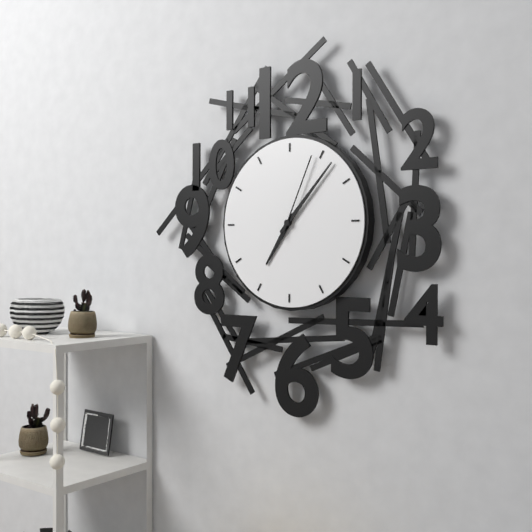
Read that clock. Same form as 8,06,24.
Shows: 7,07,04
